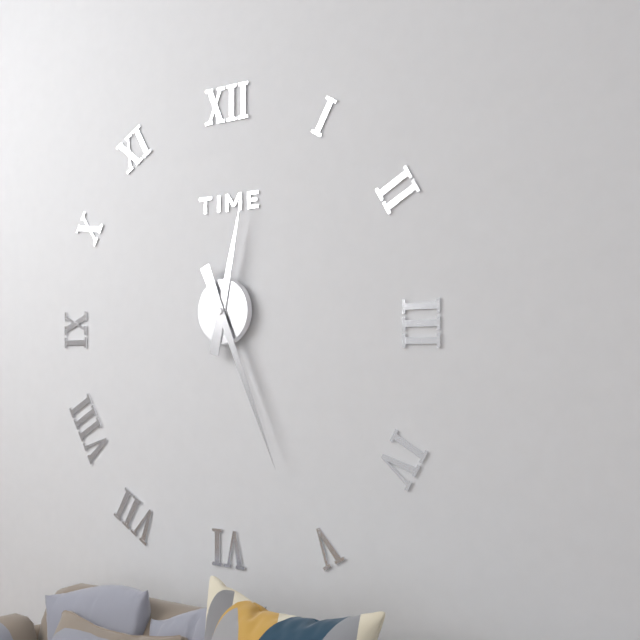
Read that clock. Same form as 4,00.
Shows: 12,26
